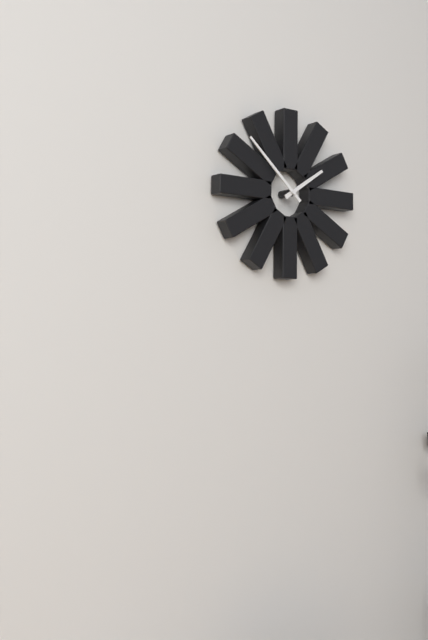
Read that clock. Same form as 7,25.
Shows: 1,52
